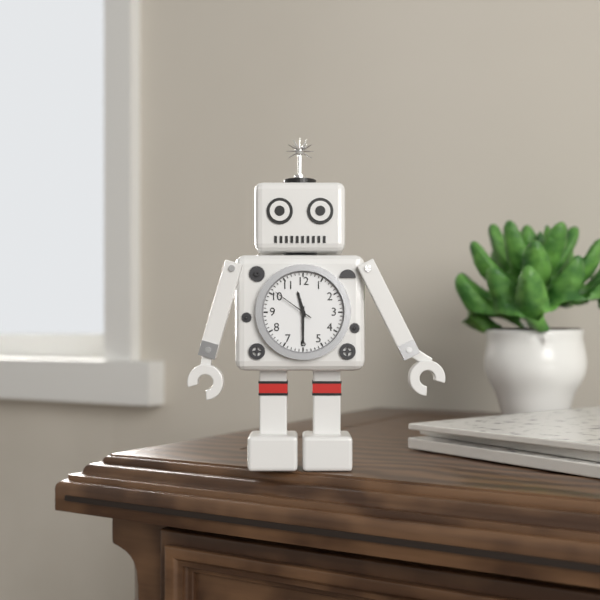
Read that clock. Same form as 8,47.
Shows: 11,30
